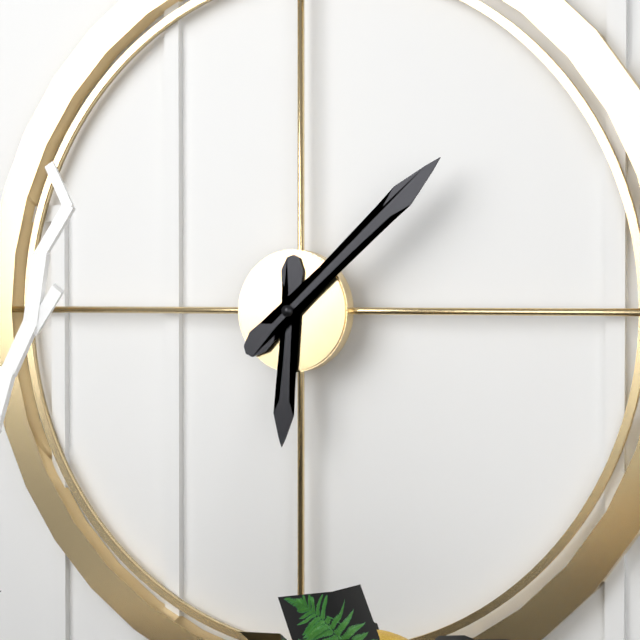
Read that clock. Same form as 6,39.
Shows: 6,08
